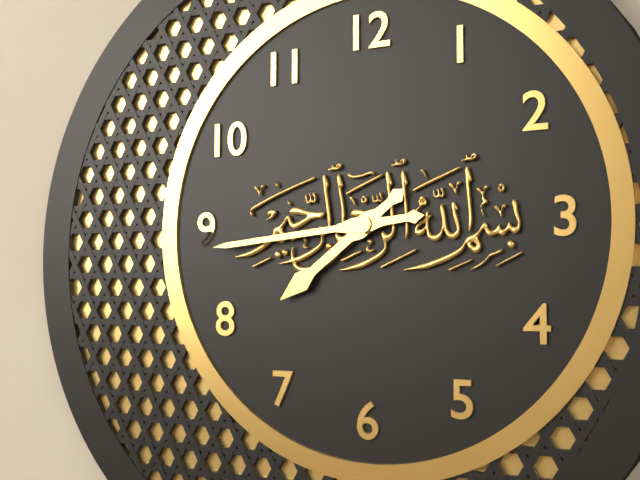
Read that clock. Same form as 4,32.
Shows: 7,44
